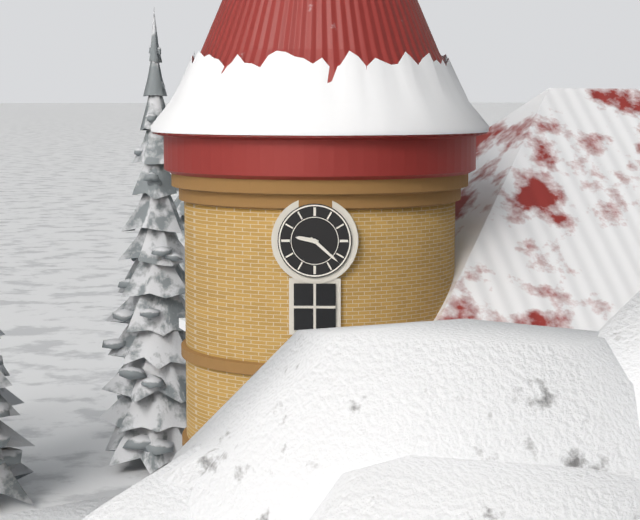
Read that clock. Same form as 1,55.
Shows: 9,22
